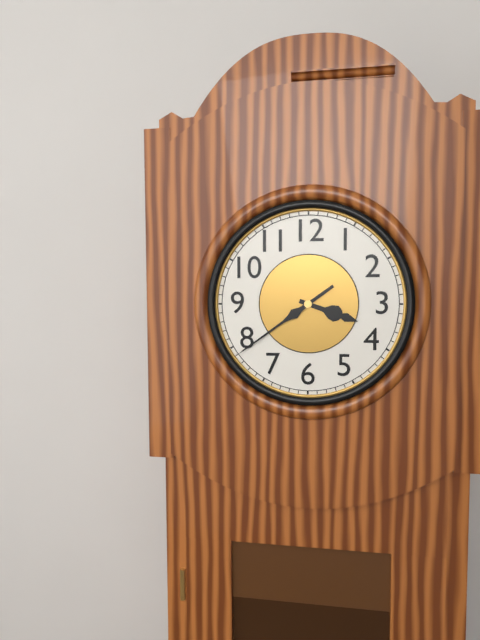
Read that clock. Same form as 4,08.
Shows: 3,39
